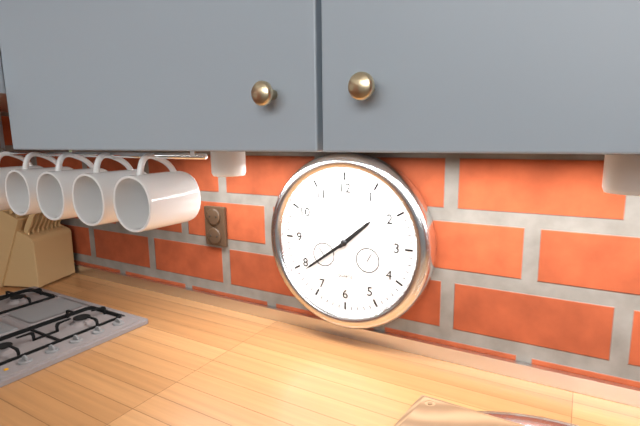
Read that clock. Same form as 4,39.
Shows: 1,39
